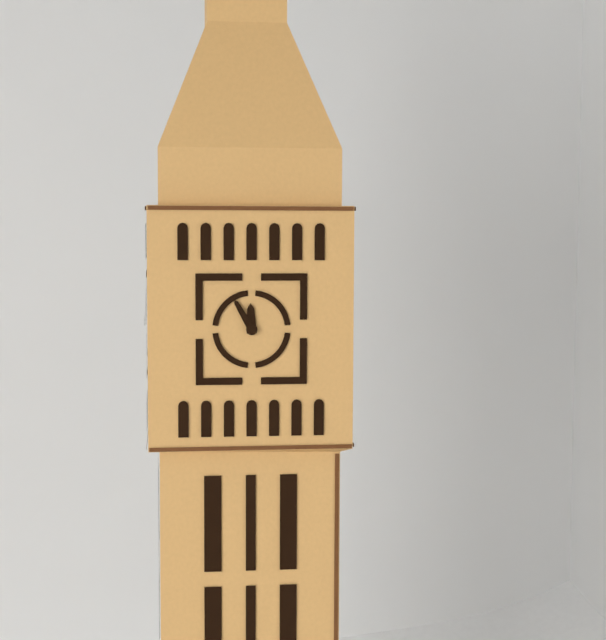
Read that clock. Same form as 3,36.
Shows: 11,55
